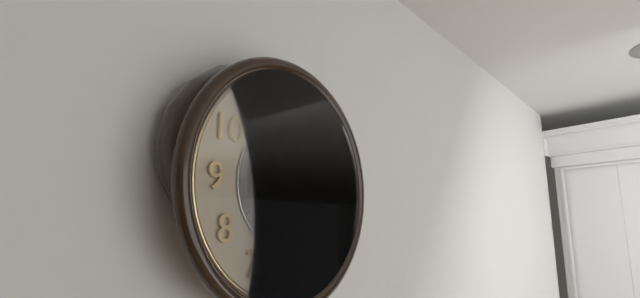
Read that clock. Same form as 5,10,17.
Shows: 6,11,12
